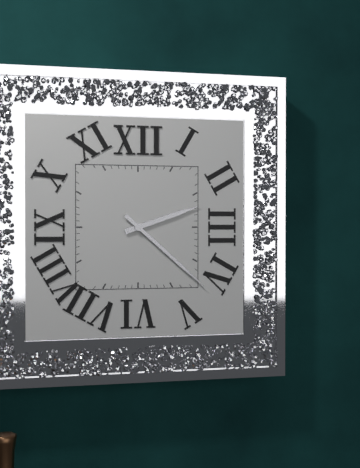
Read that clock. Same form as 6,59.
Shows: 2,22
